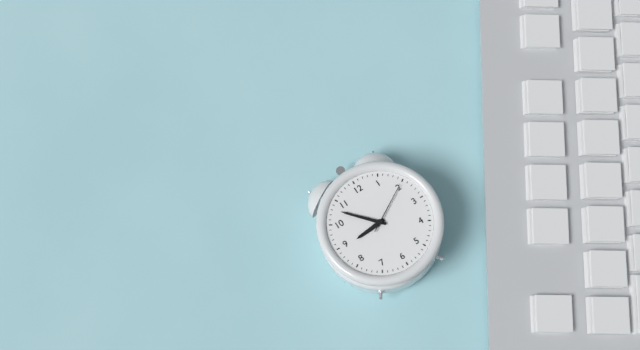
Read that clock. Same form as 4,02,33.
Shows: 8,53,10
